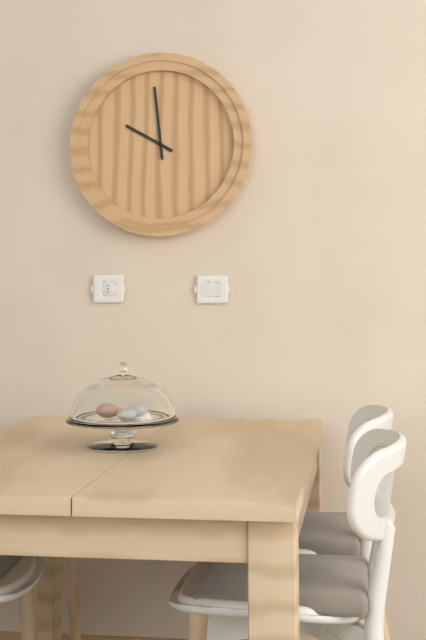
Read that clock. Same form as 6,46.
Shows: 9,59
